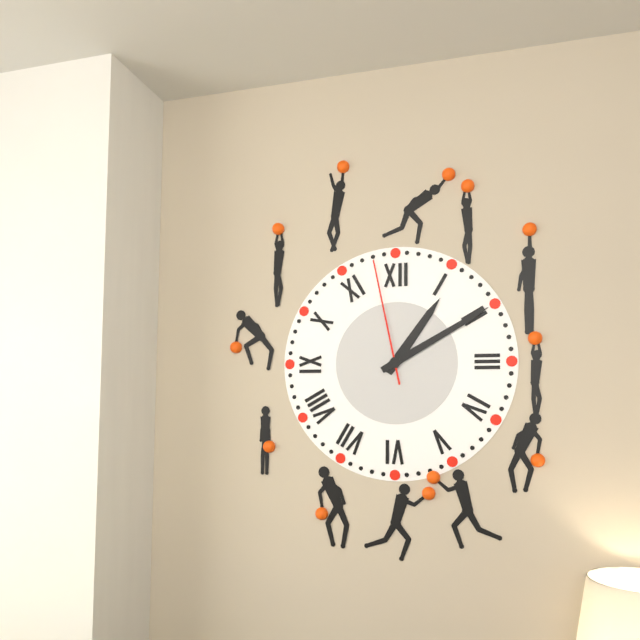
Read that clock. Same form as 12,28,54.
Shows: 1,10,58
